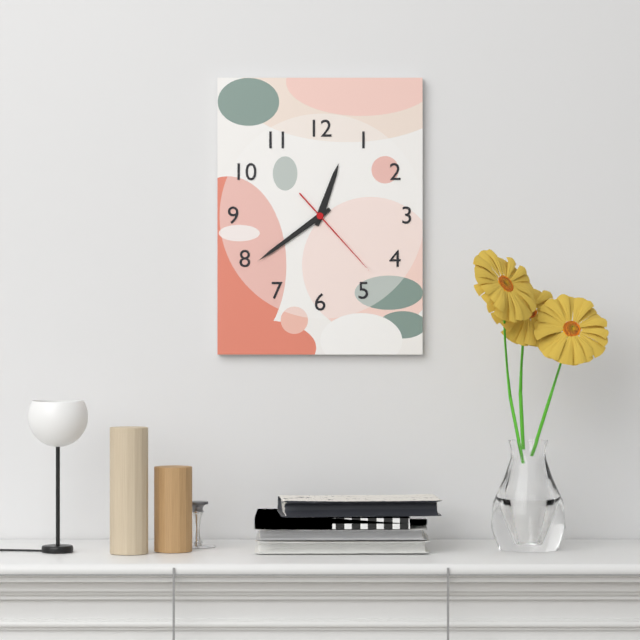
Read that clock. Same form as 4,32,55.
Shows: 12,39,23
